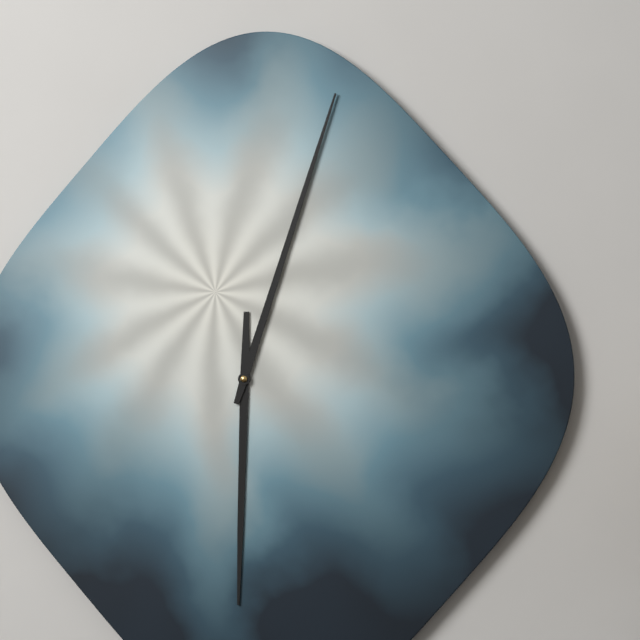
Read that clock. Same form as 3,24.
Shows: 6,03
